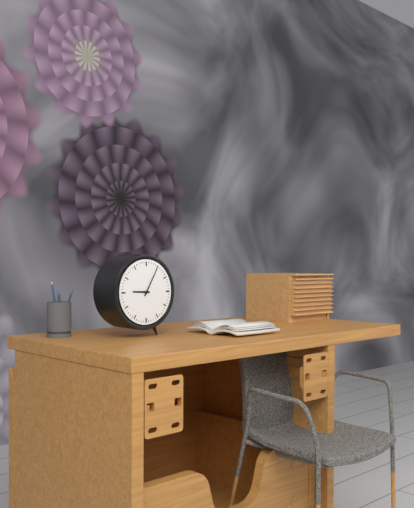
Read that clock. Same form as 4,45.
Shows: 9,05
